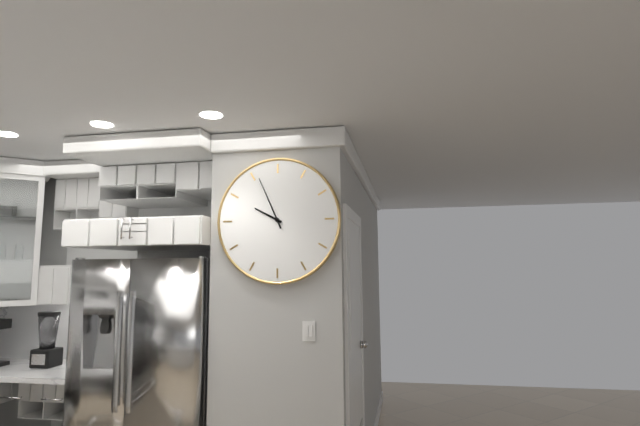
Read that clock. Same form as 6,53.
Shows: 9,56
